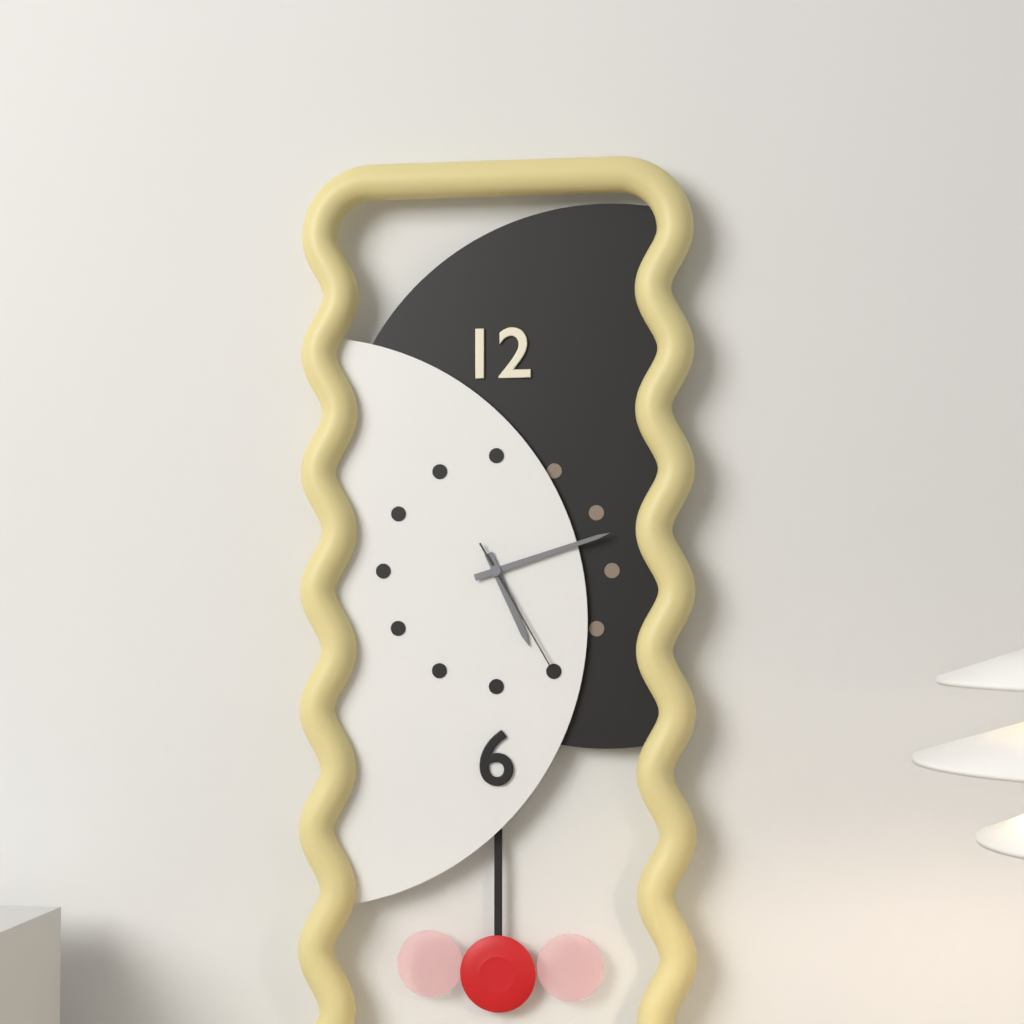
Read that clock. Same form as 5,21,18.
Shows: 5,12,25
